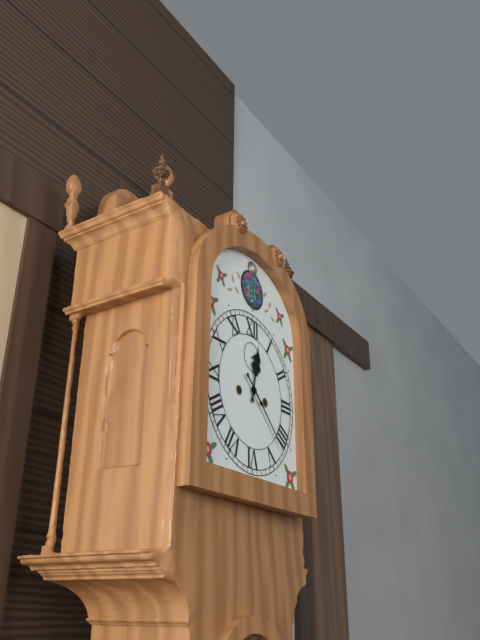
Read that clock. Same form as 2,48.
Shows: 12,22
